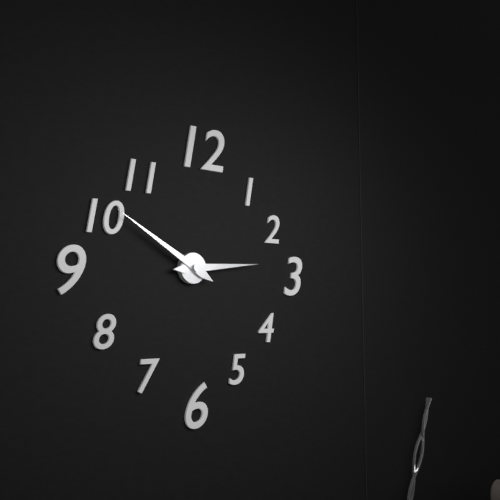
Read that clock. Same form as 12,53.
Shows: 2,50
